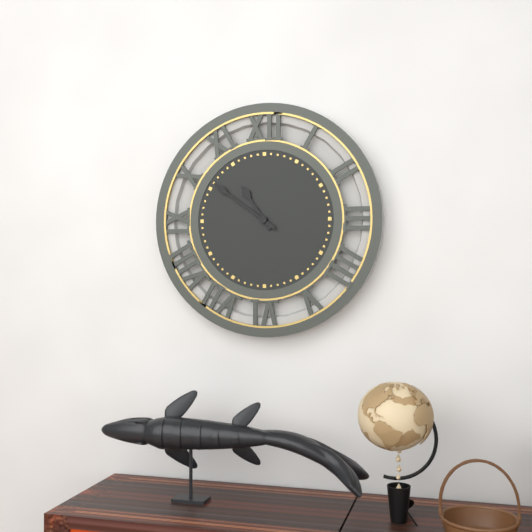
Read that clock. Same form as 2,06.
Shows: 10,51
